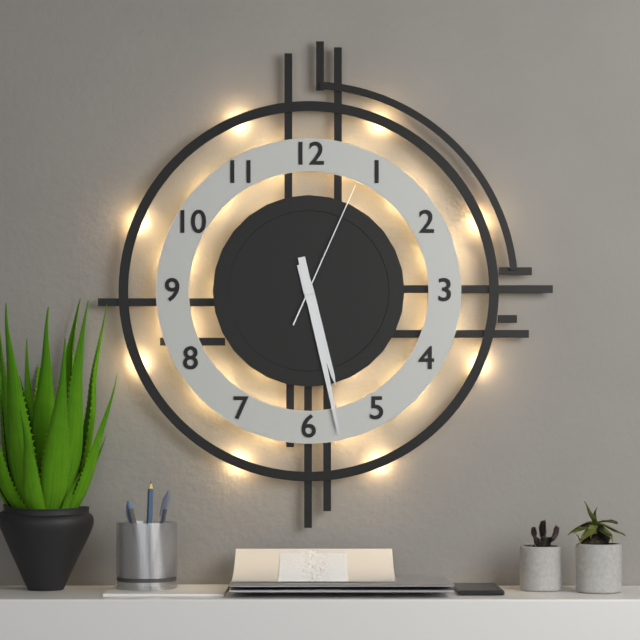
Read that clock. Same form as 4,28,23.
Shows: 5,28,04
